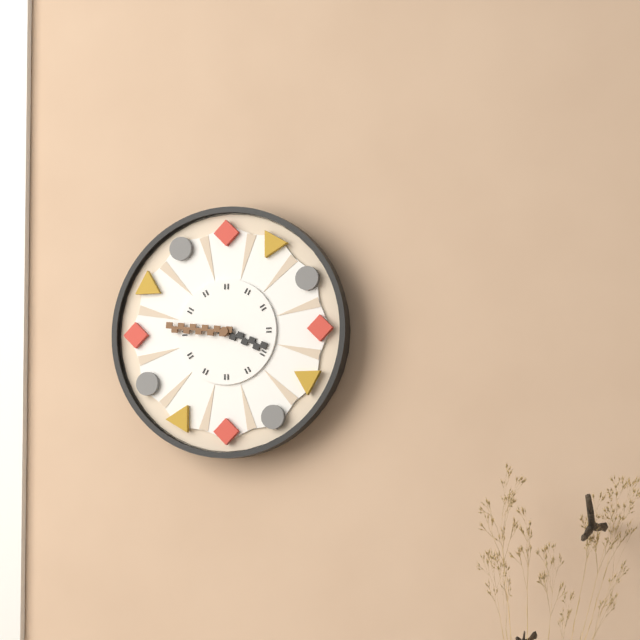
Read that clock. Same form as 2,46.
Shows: 3,46
